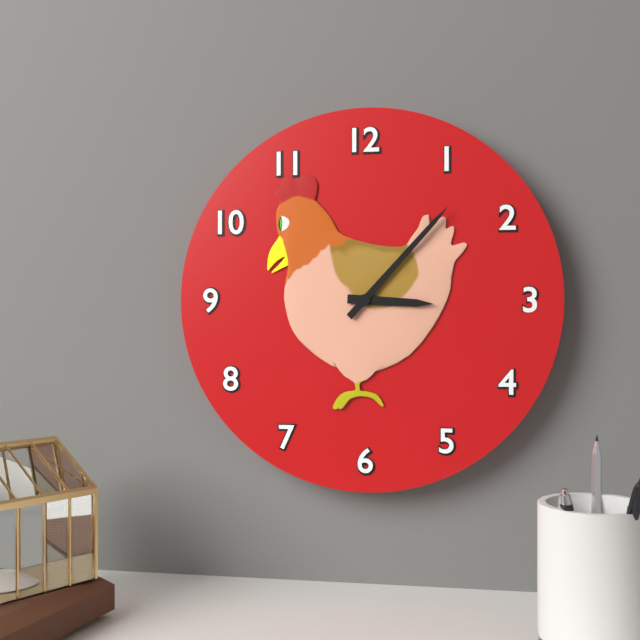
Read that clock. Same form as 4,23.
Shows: 3,07
